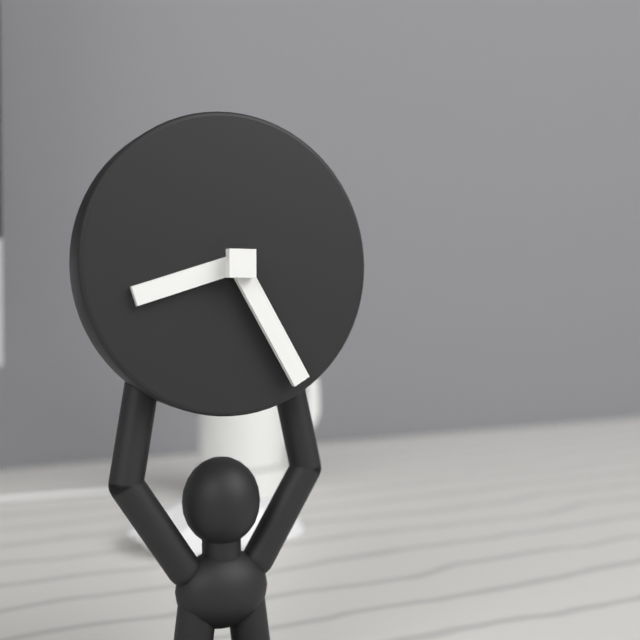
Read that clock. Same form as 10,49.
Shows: 8,25
